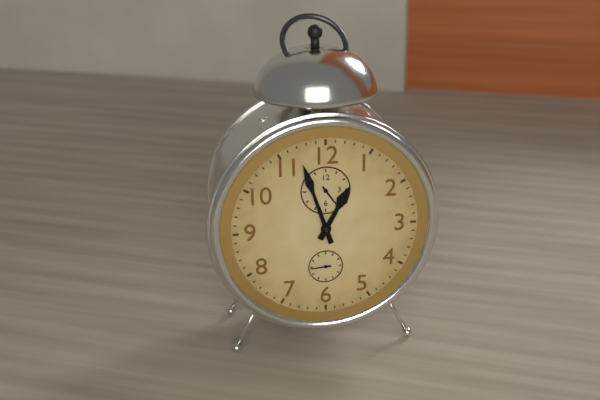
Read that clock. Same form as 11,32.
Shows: 12,57
